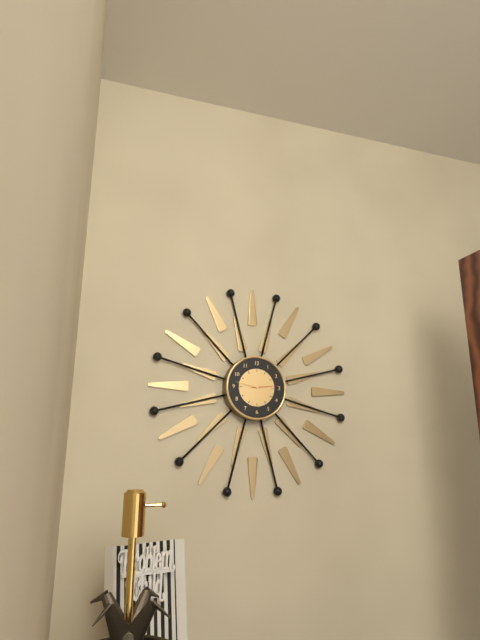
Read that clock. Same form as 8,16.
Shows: 2,47
